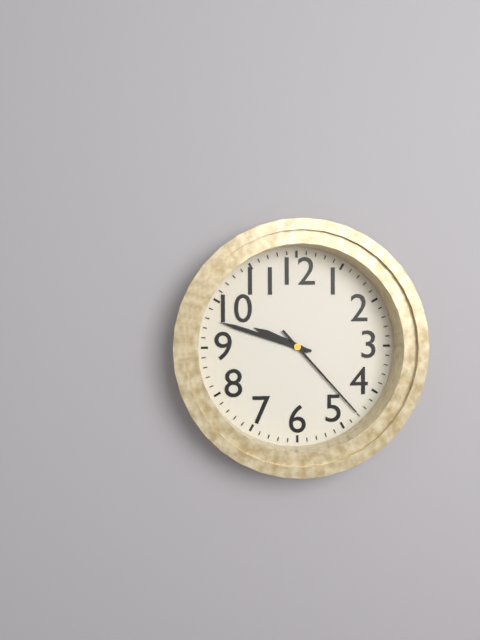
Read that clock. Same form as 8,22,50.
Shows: 9,48,23
